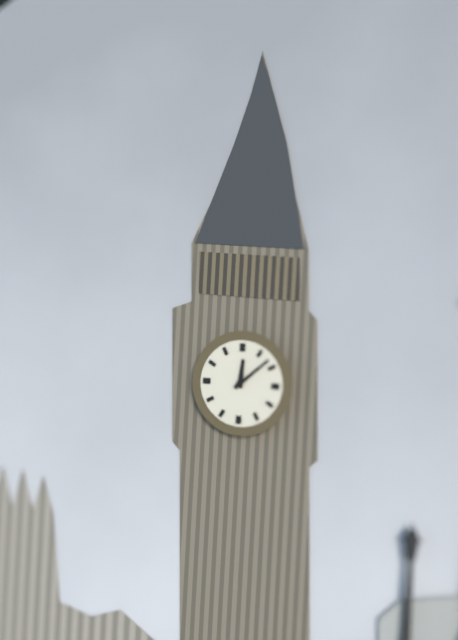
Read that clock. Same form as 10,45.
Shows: 12,08
